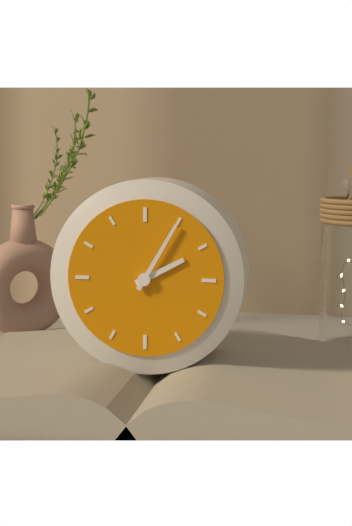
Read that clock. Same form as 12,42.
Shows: 2,05
